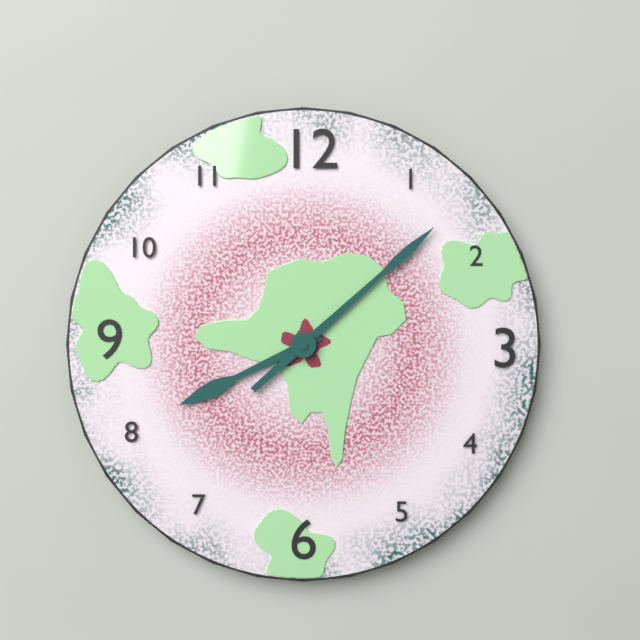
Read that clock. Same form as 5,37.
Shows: 8,08
